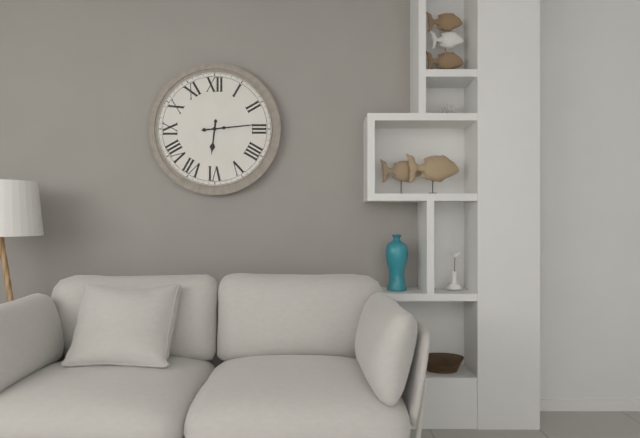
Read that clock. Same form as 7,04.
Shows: 6,14
